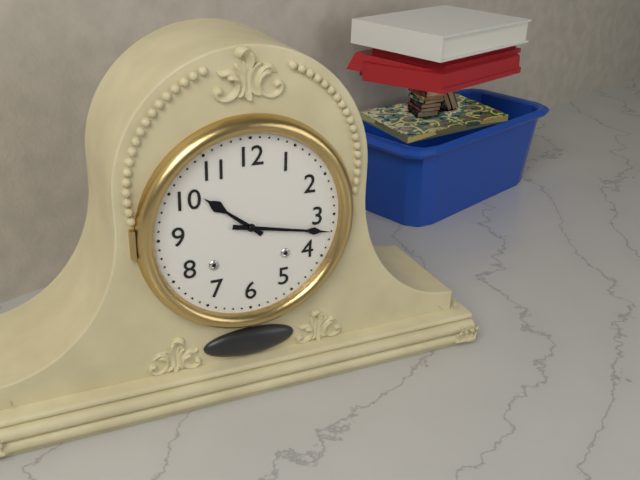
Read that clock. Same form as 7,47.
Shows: 10,17
